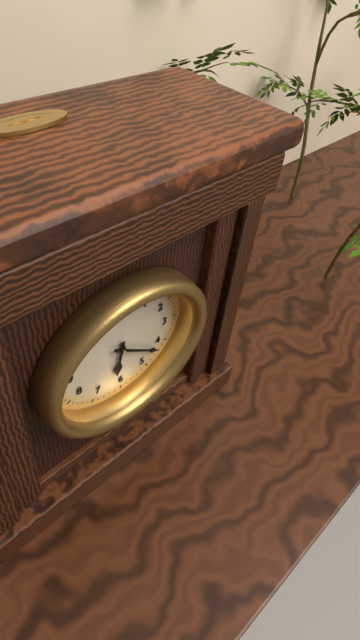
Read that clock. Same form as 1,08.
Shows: 6,21
